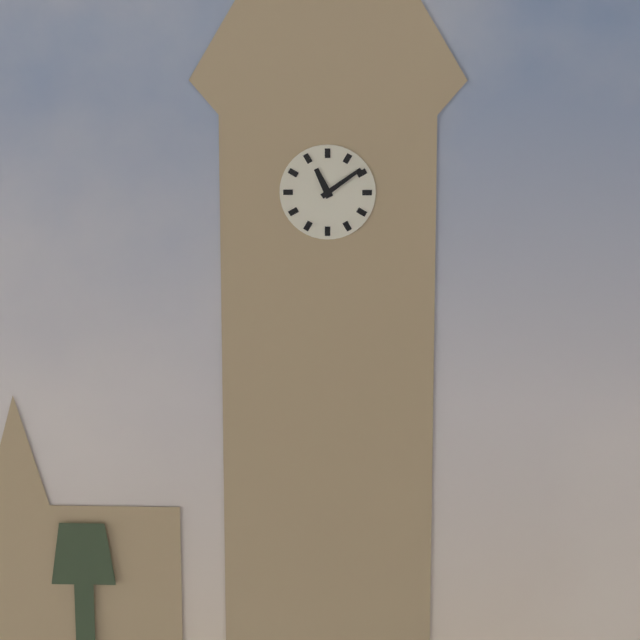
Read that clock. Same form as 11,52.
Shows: 11,09
